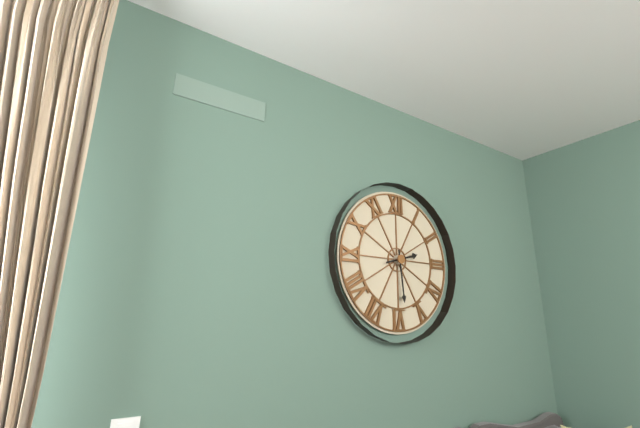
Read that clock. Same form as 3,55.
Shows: 2,29
